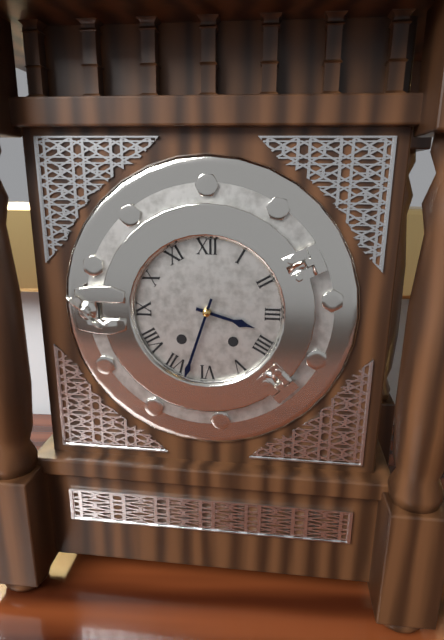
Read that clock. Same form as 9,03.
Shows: 3,33
